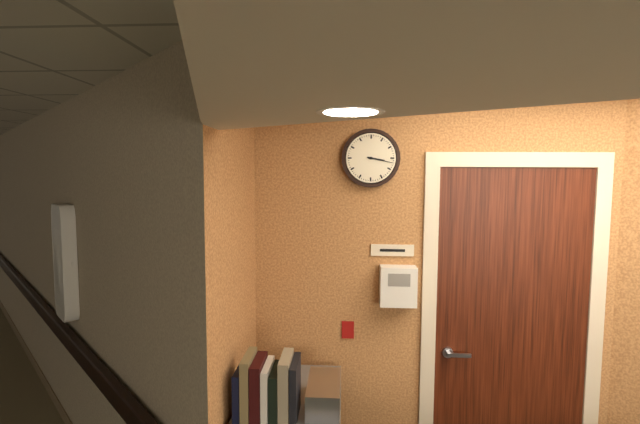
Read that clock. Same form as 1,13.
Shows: 3,17
